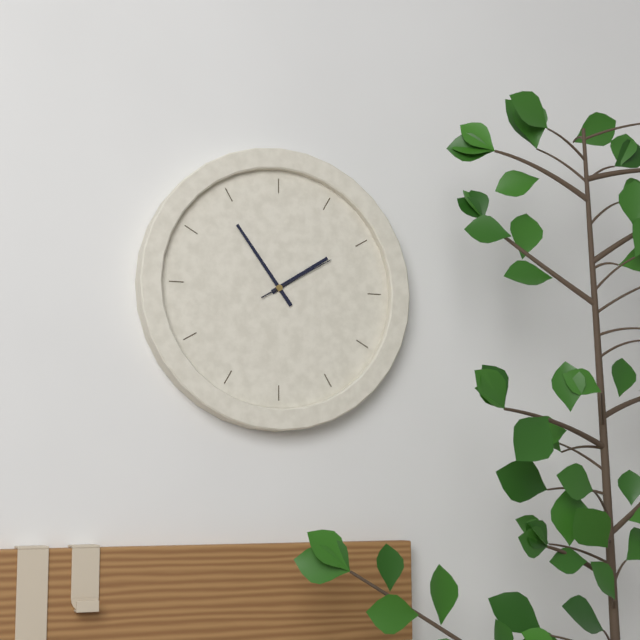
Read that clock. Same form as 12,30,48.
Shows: 1,54,10
